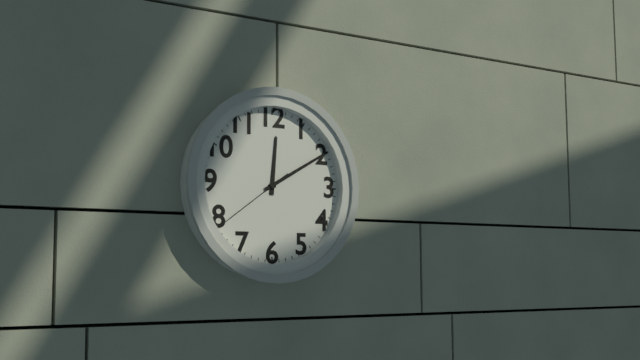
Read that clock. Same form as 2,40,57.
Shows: 12,10,39
